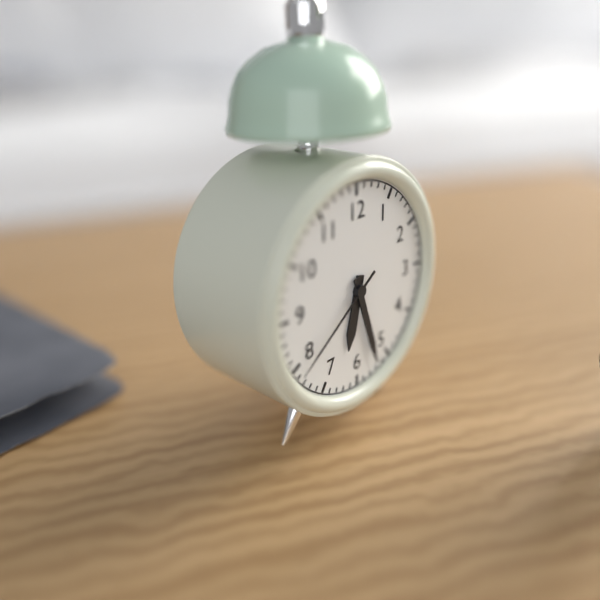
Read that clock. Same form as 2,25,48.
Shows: 6,27,39
